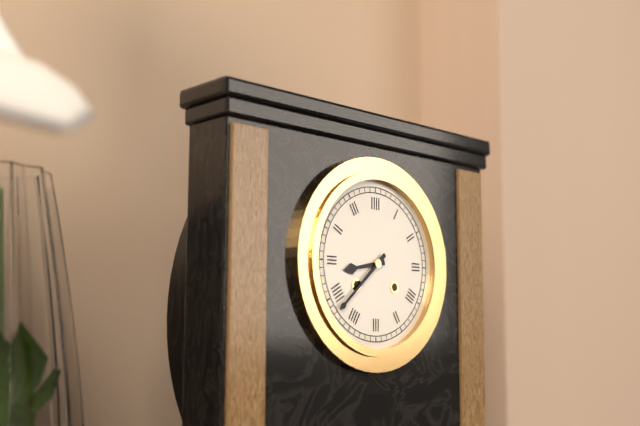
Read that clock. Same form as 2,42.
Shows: 8,38
